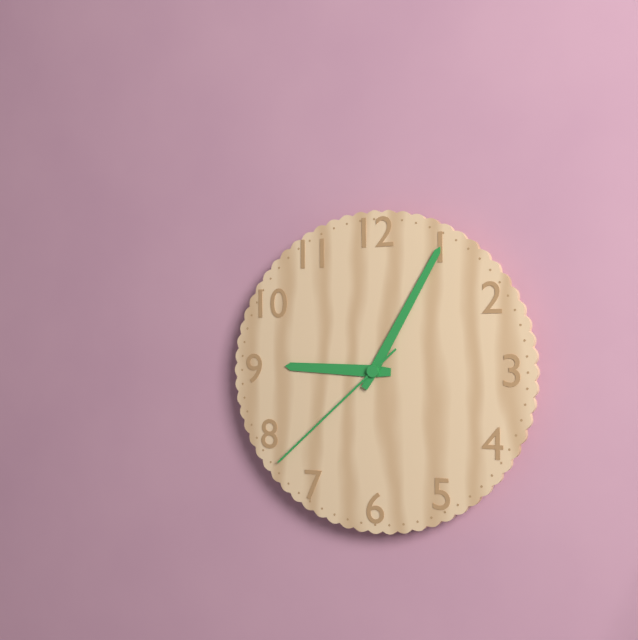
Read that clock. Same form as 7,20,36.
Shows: 9,05,38
